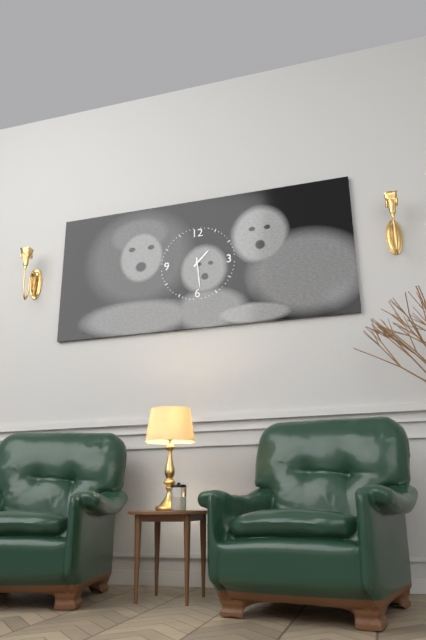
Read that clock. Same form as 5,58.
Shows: 1,29
